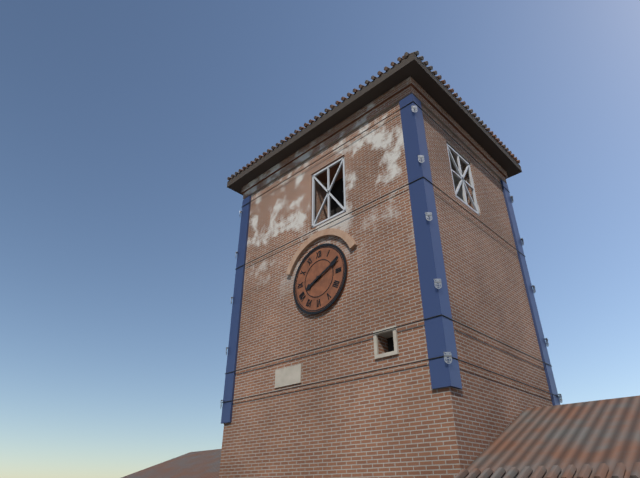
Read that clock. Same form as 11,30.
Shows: 8,11
